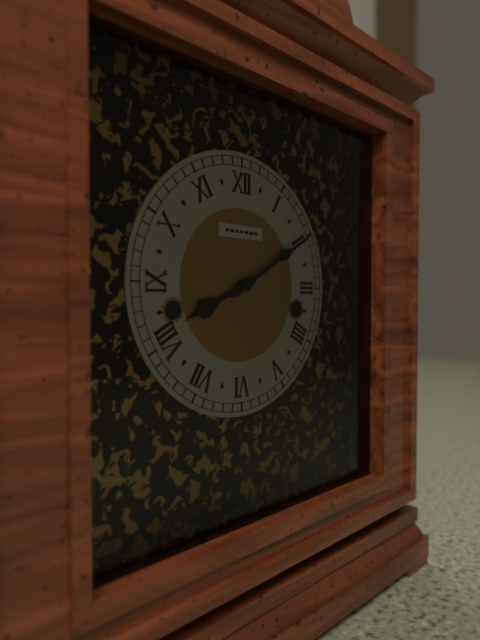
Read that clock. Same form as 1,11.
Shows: 8,10
